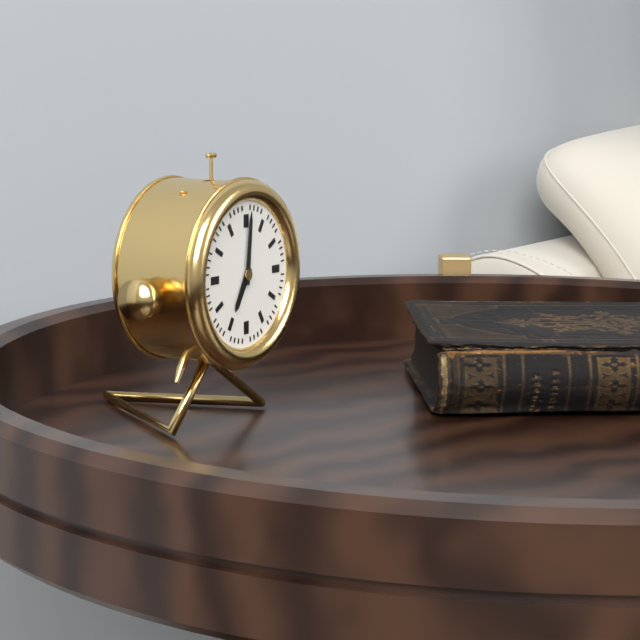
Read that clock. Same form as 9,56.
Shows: 7,01
